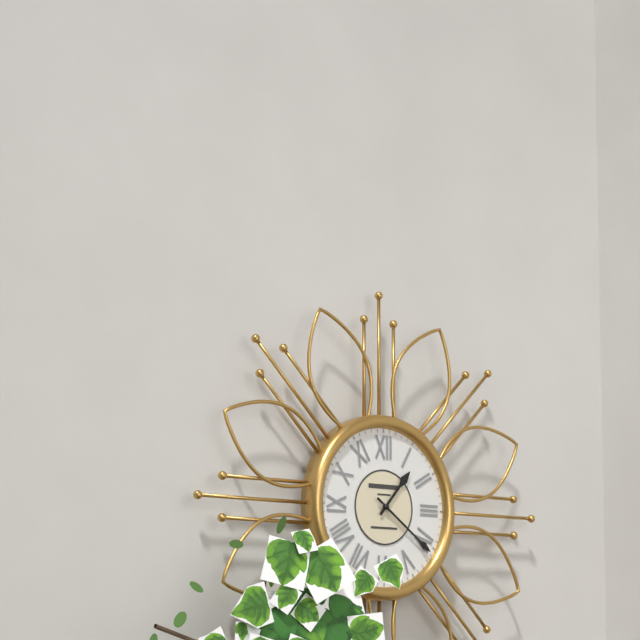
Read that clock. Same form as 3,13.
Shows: 1,21
